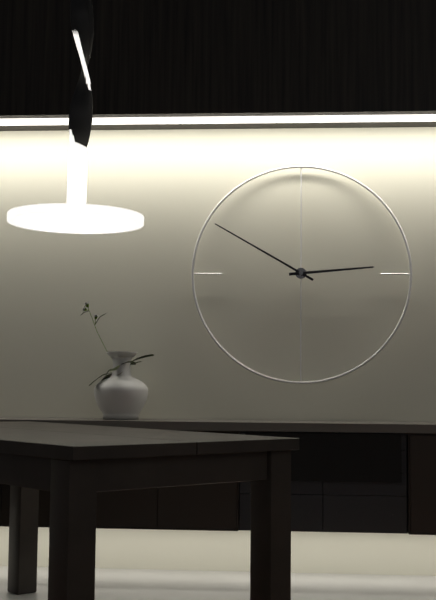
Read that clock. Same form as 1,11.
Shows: 2,50
